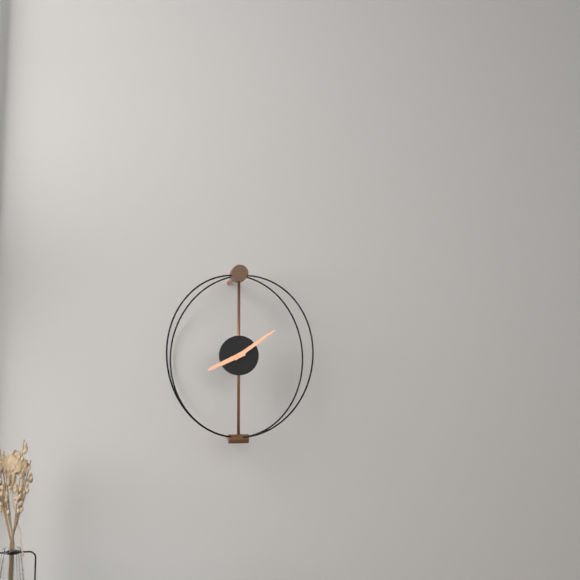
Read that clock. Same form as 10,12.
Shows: 8,09
